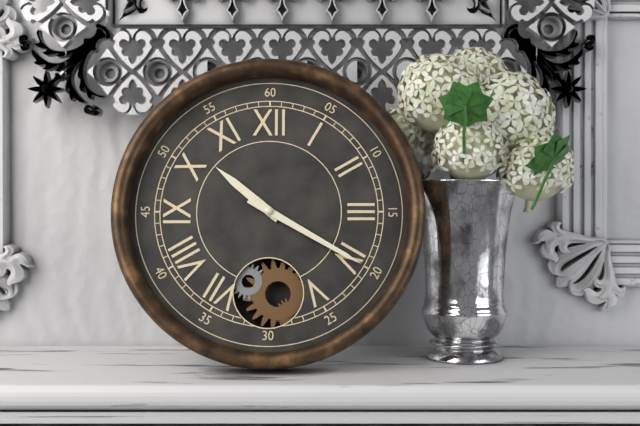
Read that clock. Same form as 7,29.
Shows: 10,20
